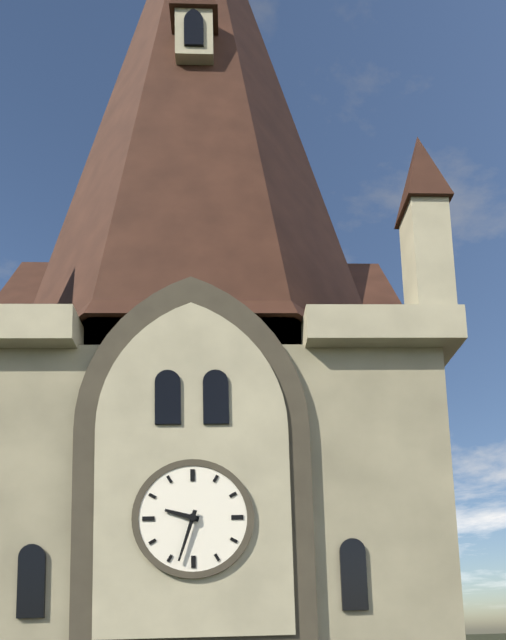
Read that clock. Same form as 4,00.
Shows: 9,33
